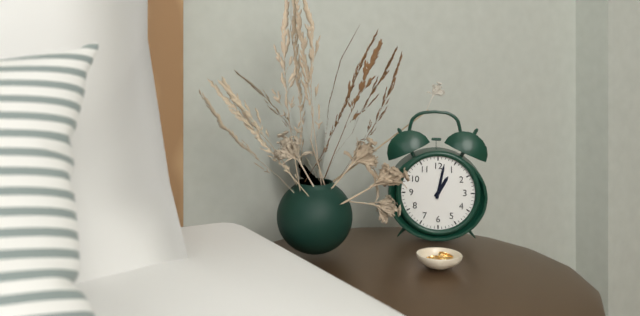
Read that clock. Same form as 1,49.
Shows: 1,02
